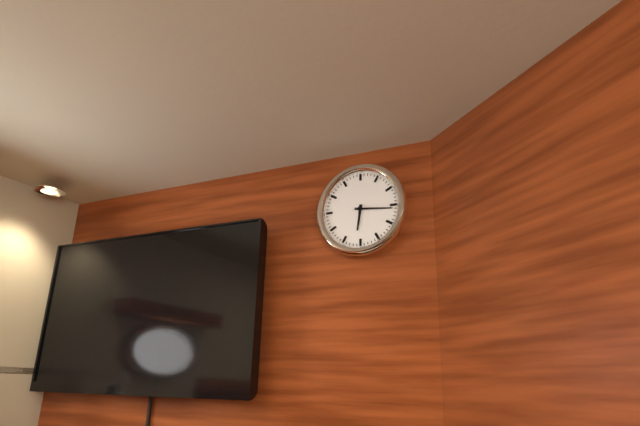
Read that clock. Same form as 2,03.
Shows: 6,16
